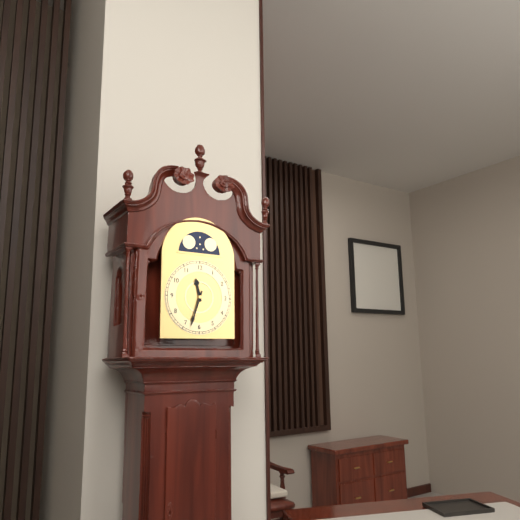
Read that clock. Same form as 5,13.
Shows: 11,33
